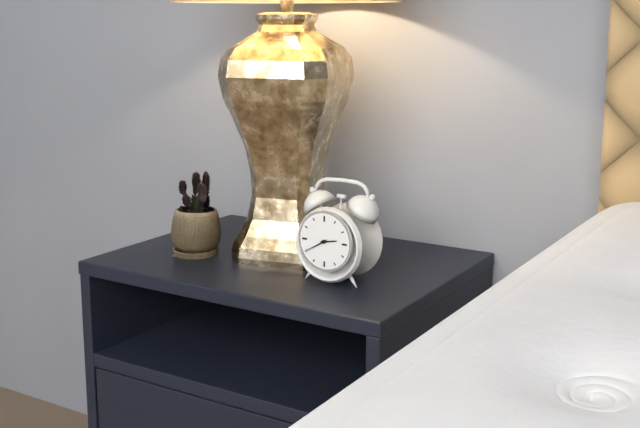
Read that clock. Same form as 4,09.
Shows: 2,40
